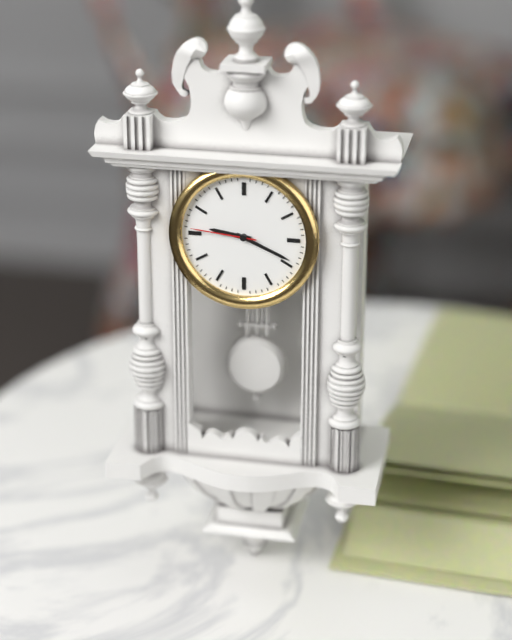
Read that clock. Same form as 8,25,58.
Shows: 9,19,46
